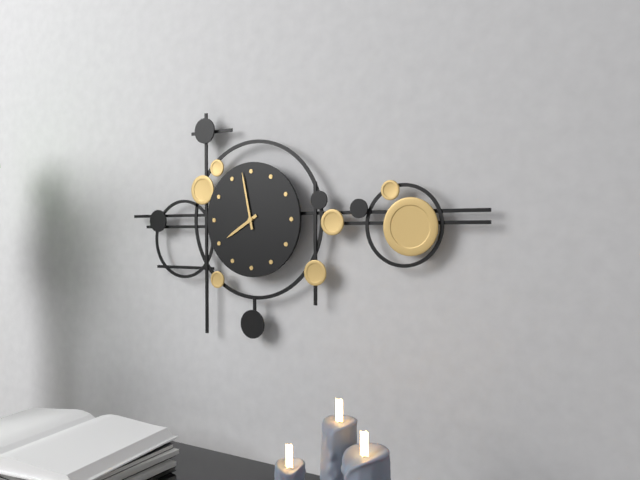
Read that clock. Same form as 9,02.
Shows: 7,58
